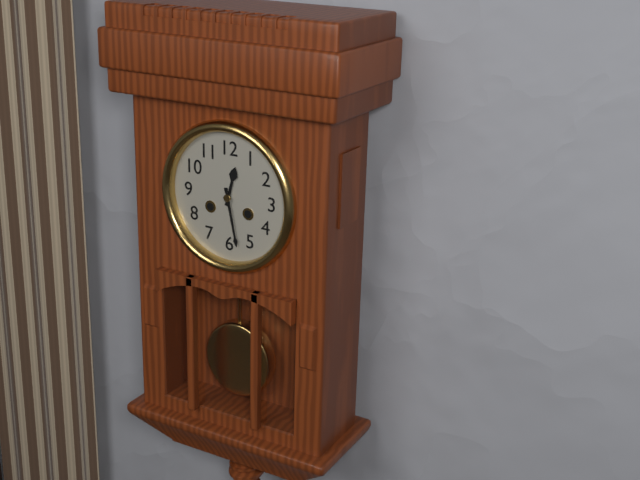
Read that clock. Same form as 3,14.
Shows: 12,28
